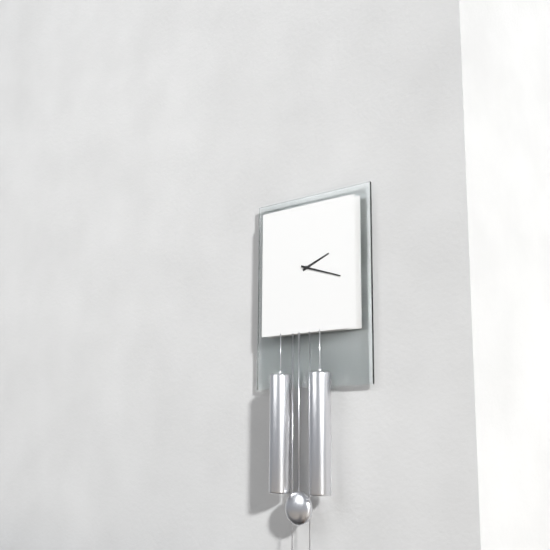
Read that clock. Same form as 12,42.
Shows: 2,18
